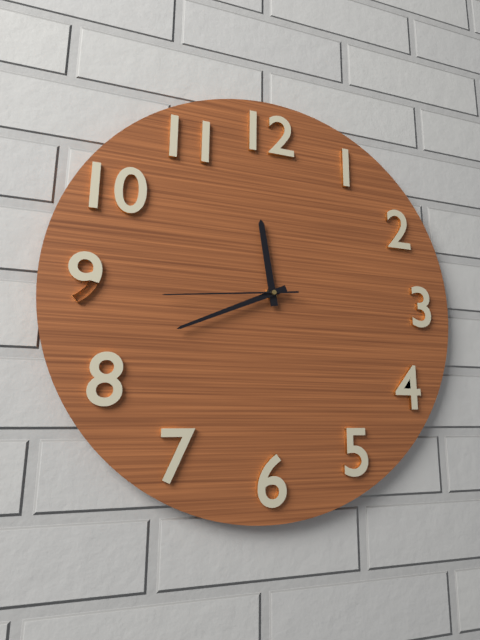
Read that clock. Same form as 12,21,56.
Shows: 11,41,44
